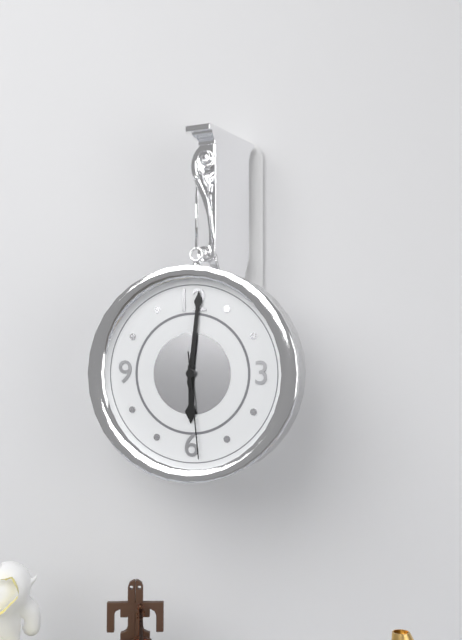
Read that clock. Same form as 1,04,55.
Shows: 6,01,29
